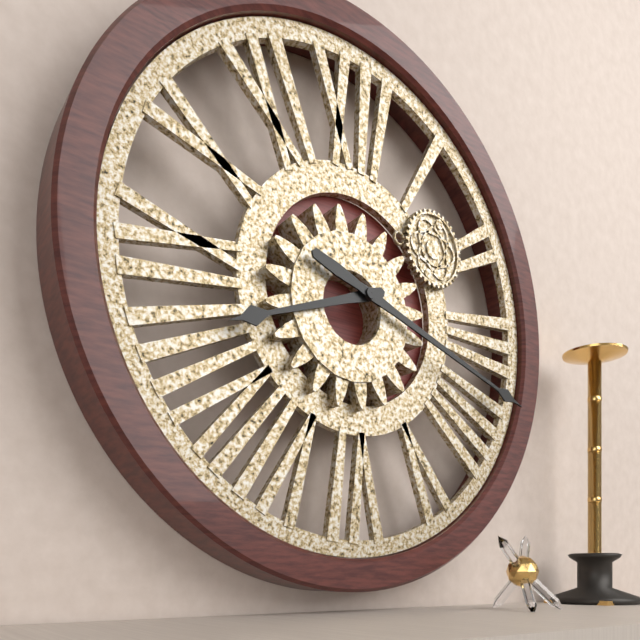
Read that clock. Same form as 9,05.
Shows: 8,18
